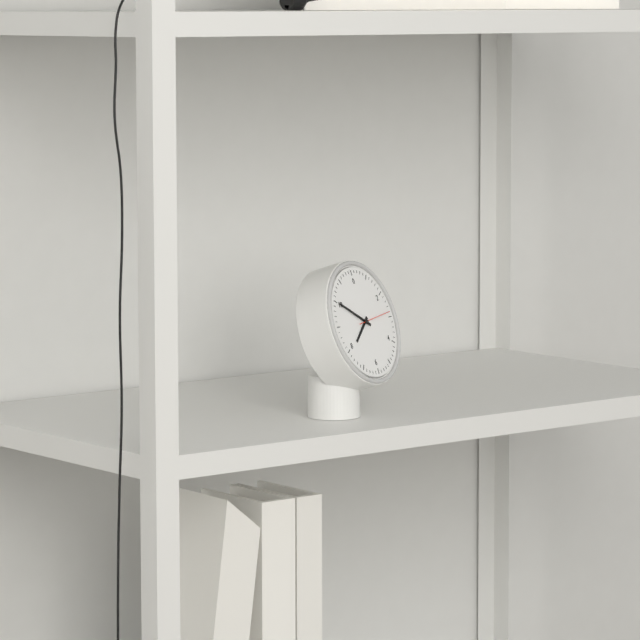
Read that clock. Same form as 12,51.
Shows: 7,50
